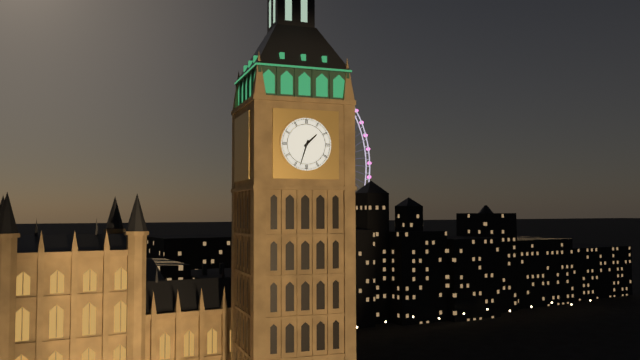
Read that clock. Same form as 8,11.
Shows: 1,33
